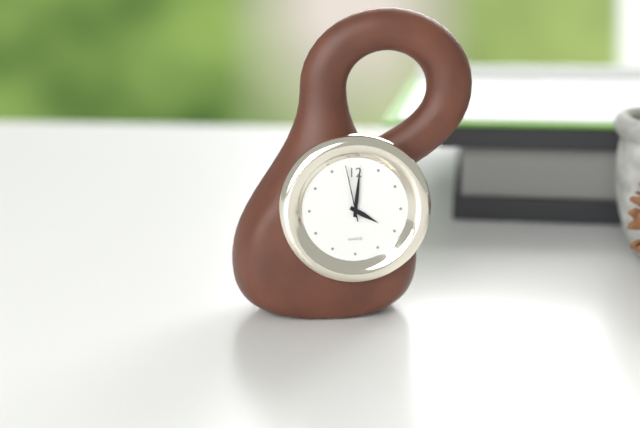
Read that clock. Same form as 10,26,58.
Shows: 4,01,58
